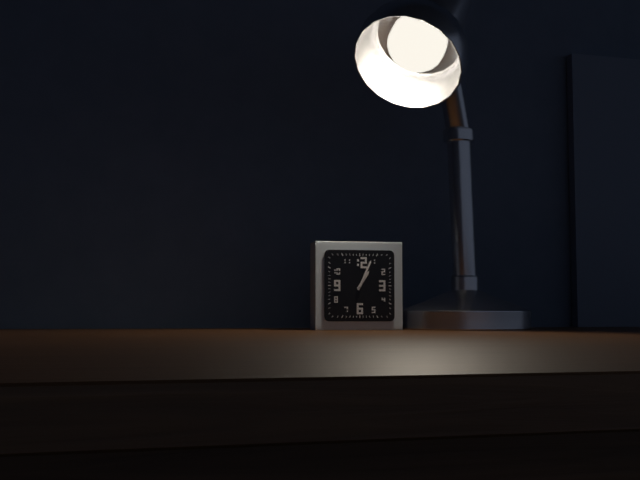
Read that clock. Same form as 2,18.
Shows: 1,04
